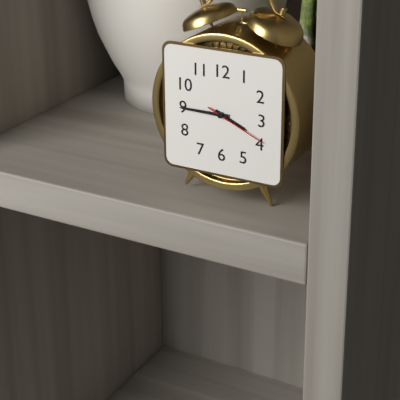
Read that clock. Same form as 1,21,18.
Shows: 3,45,19
